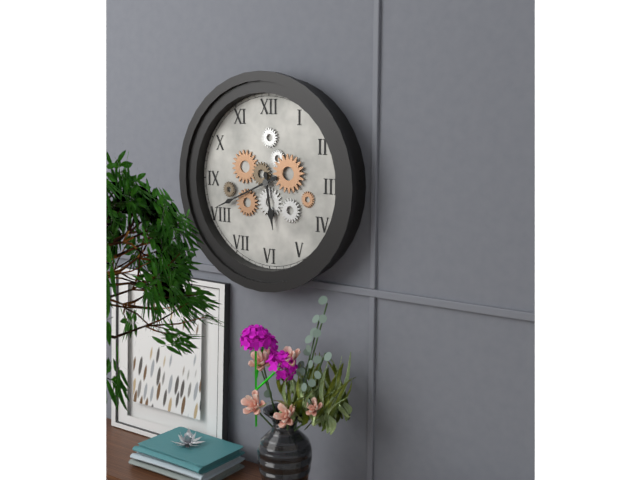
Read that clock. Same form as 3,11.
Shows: 5,41
